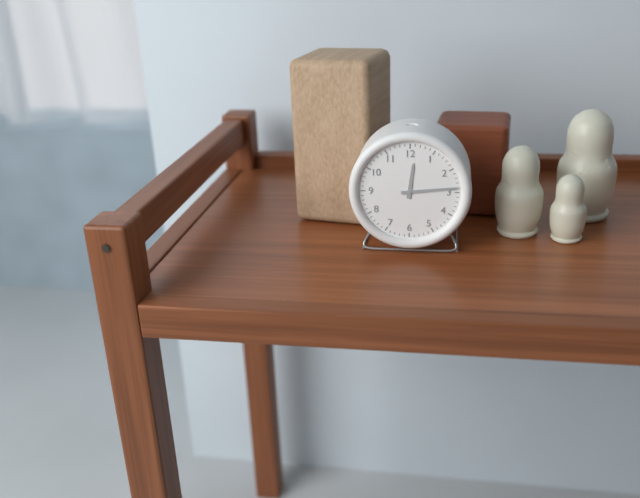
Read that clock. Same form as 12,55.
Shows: 12,14
